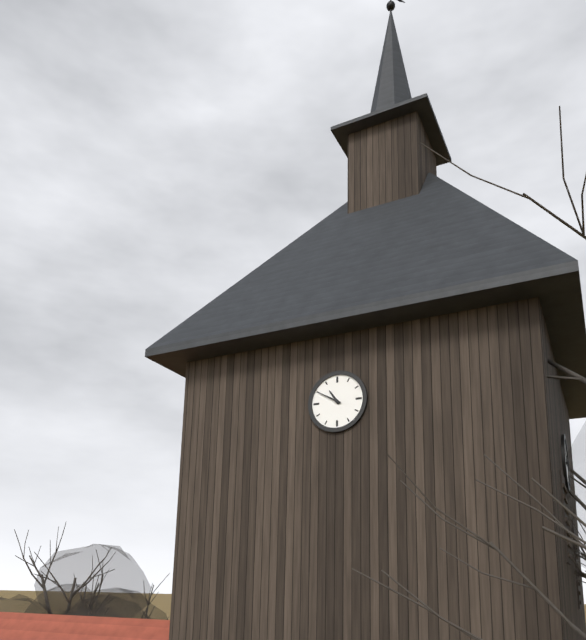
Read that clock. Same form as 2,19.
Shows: 10,50
